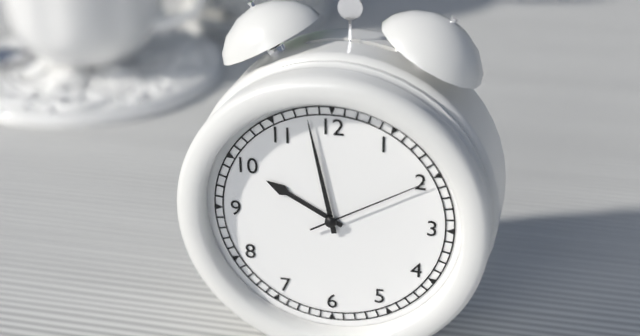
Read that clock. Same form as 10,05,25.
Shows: 9,58,10
